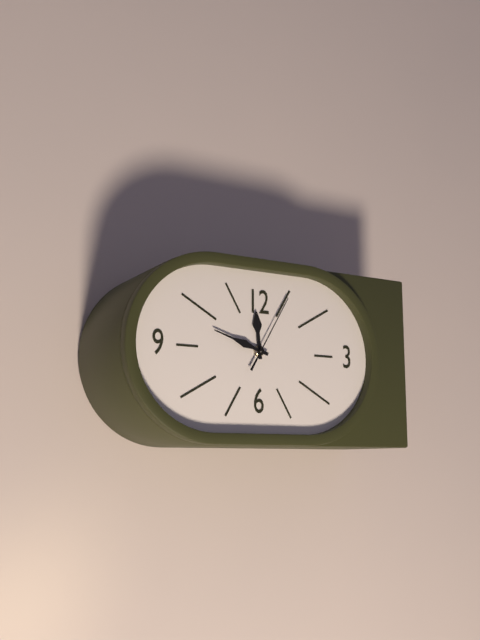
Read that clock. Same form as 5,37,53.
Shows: 11,48,05
